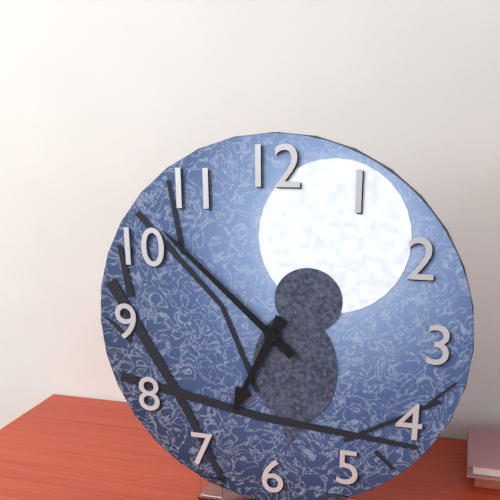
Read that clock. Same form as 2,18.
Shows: 6,52
